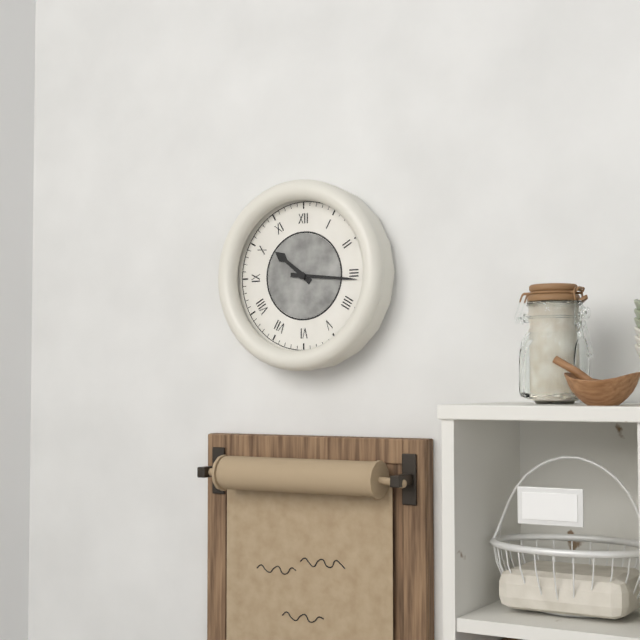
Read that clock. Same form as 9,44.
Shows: 10,16
